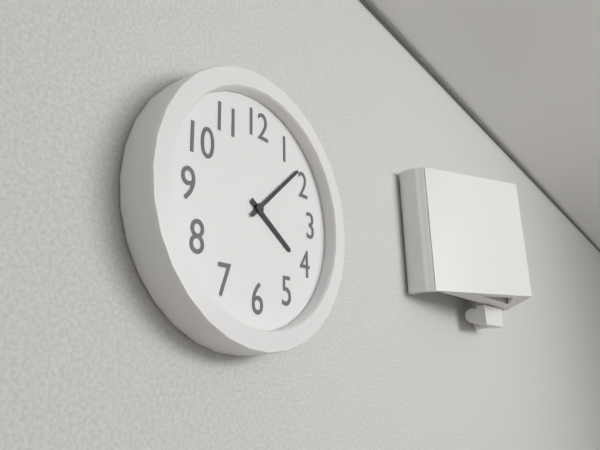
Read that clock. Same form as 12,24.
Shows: 4,08
